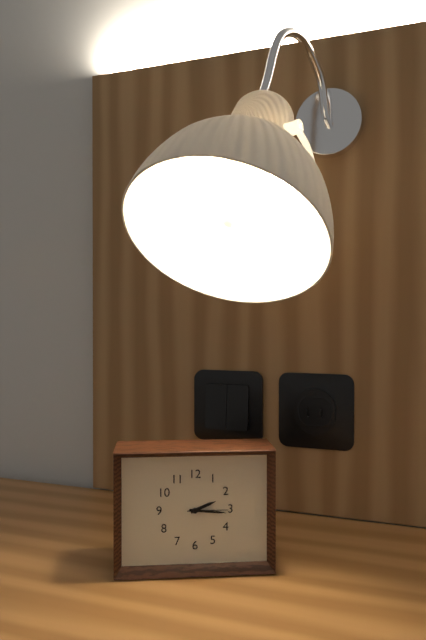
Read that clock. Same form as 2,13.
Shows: 2,16
